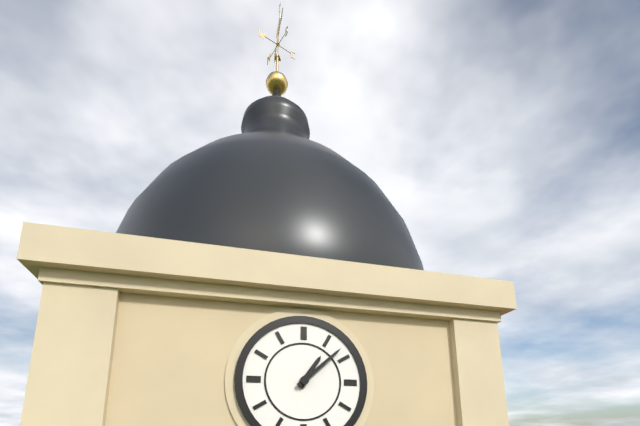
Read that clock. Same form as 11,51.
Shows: 1,08
